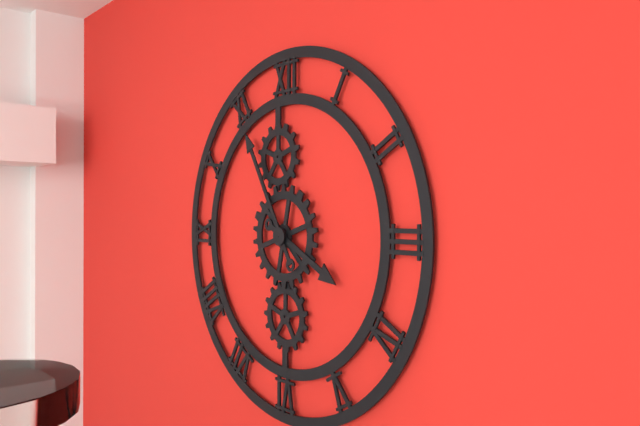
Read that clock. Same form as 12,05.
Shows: 3,55
